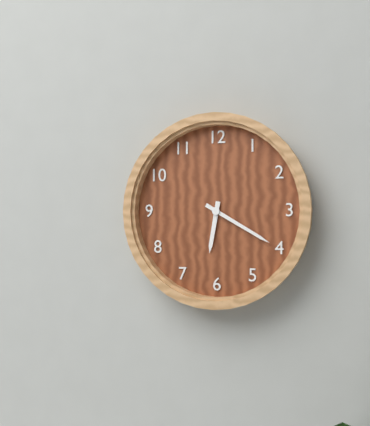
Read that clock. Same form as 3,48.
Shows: 6,20
